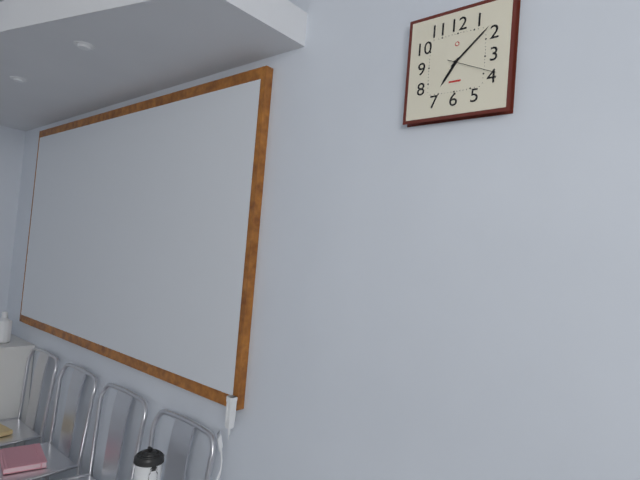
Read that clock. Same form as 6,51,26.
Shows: 7,08,19
